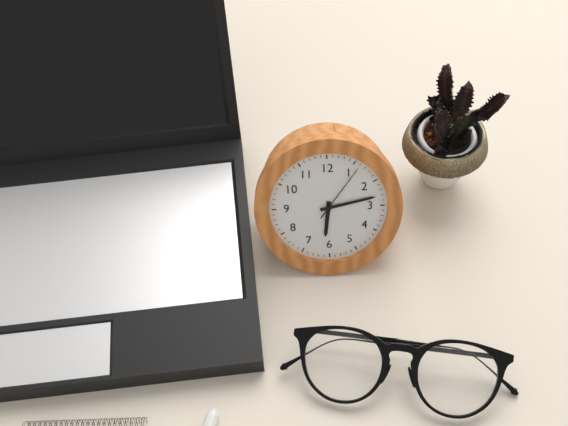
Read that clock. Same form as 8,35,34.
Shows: 6,13,06
